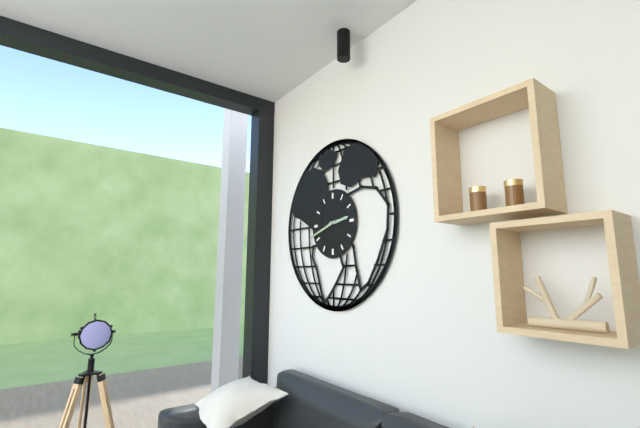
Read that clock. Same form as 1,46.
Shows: 2,42
